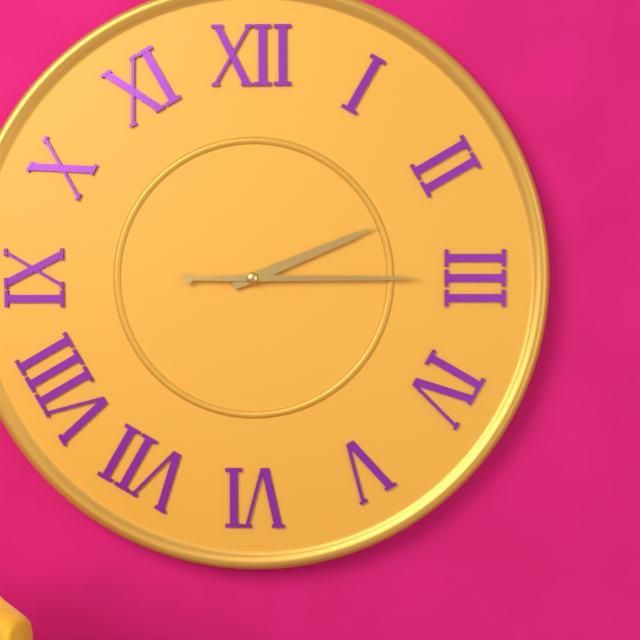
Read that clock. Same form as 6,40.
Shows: 2,15
